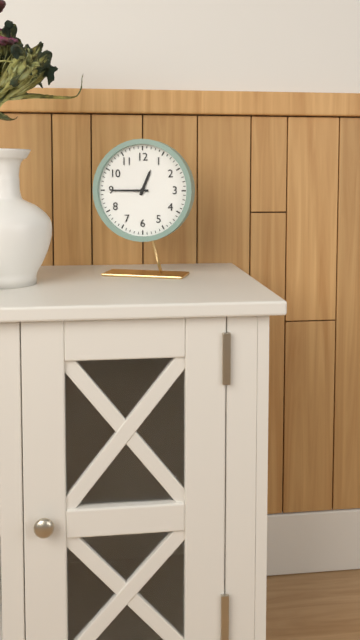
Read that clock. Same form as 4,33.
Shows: 12,45
